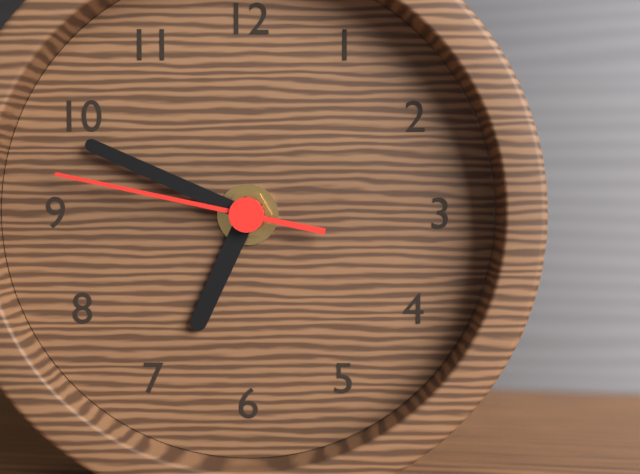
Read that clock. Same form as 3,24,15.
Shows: 6,49,47
